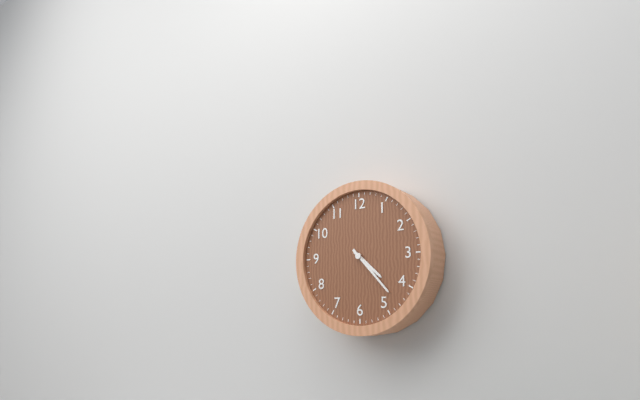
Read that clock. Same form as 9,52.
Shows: 4,23
